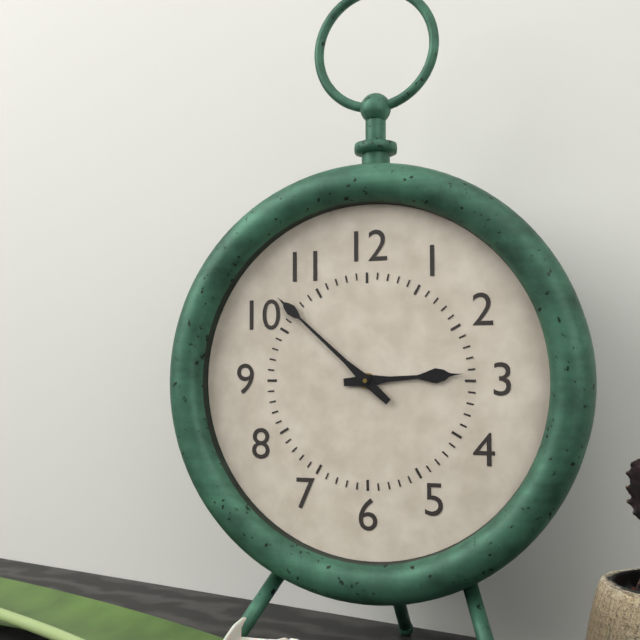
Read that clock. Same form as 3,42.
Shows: 2,52
